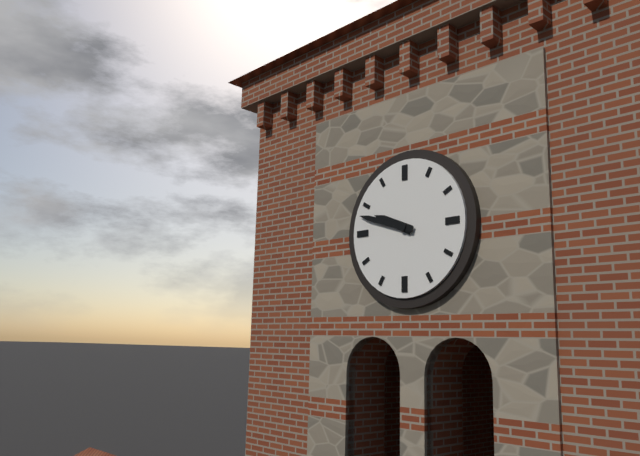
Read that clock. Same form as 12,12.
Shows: 9,48
